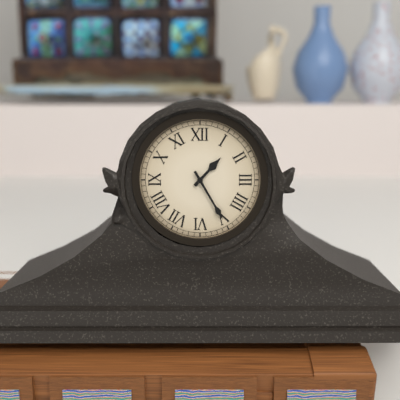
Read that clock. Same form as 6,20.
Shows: 1,25
